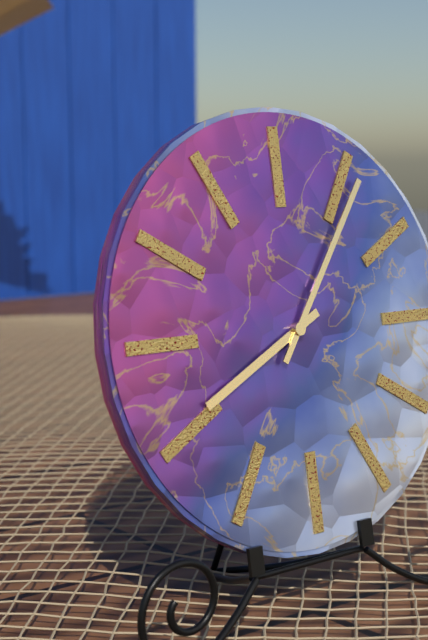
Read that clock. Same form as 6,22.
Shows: 8,06
